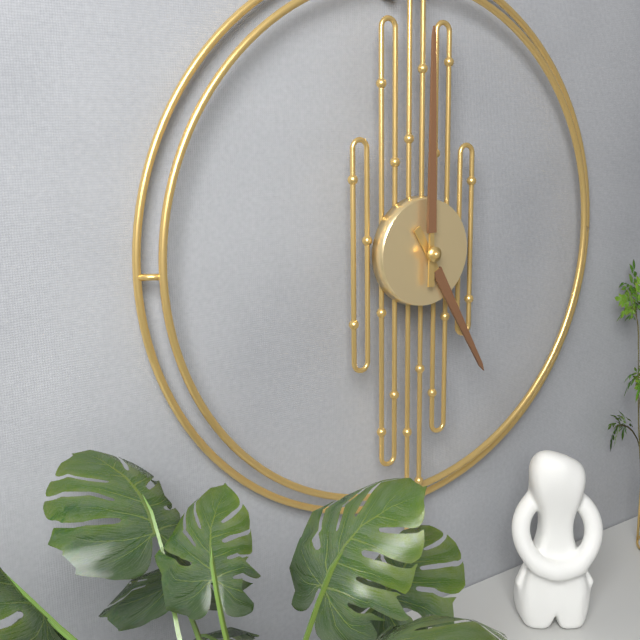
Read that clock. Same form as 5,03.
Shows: 5,00
